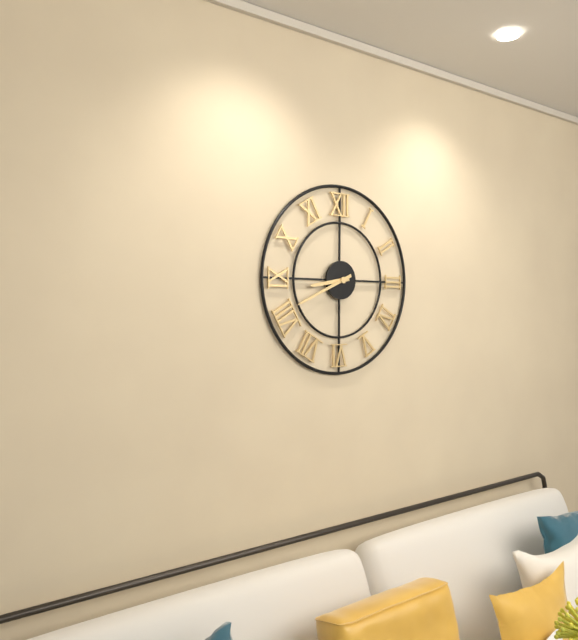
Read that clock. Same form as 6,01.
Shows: 8,41
